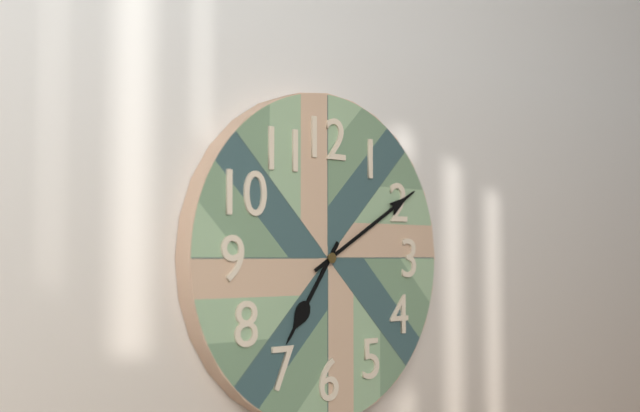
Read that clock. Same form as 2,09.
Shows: 7,10
